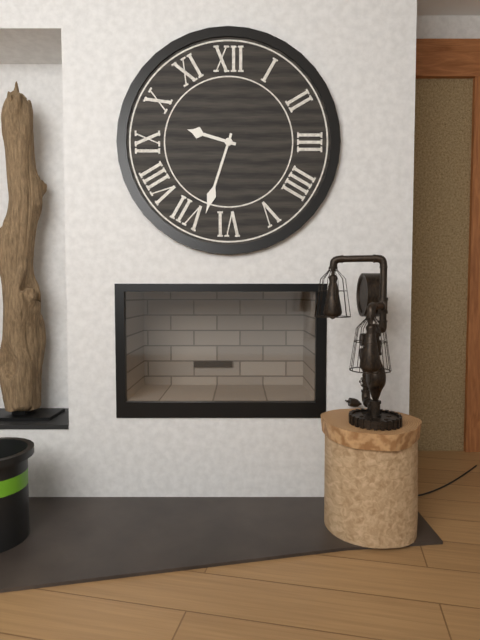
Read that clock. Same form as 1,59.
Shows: 9,33
